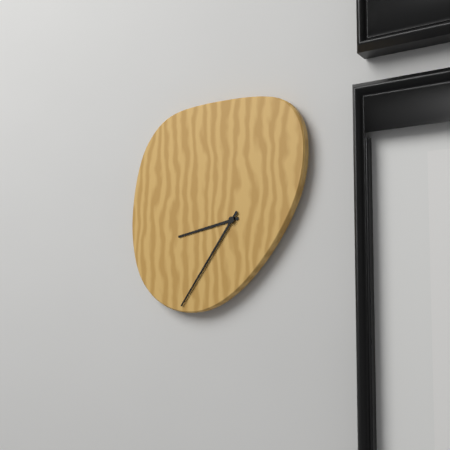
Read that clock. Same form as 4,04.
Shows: 8,36
